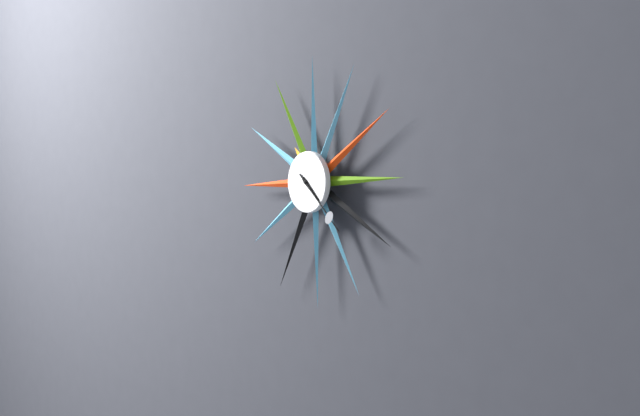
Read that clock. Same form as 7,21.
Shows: 4,22
